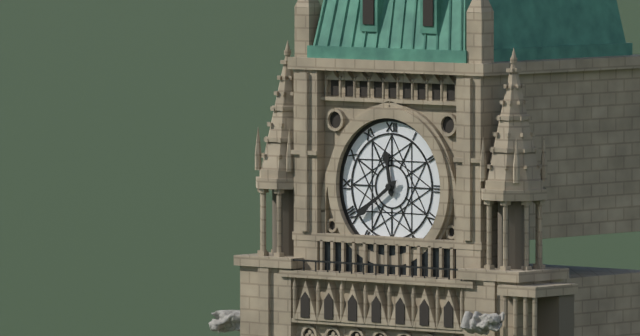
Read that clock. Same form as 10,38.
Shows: 11,39
